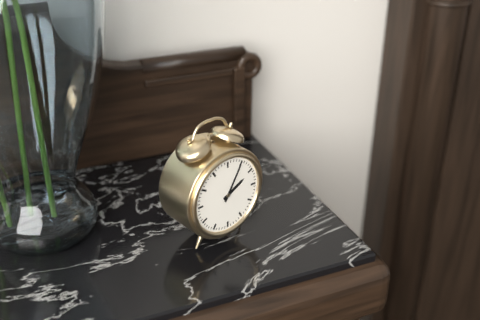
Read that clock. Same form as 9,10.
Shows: 2,05
